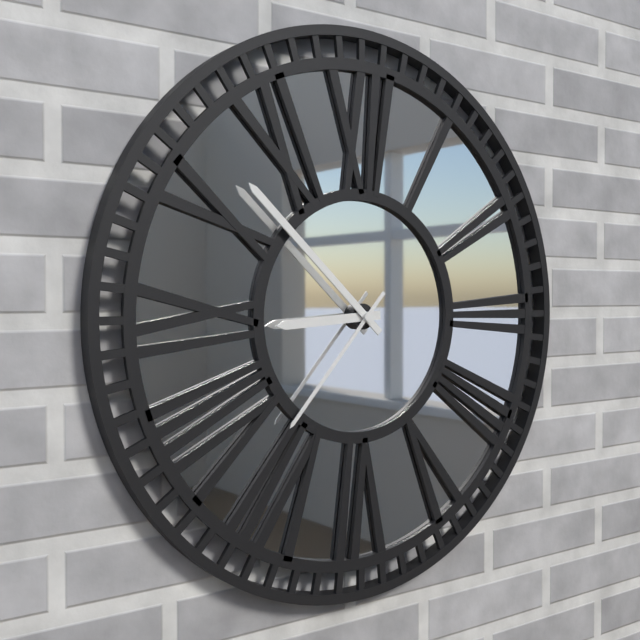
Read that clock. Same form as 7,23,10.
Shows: 8,52,37
